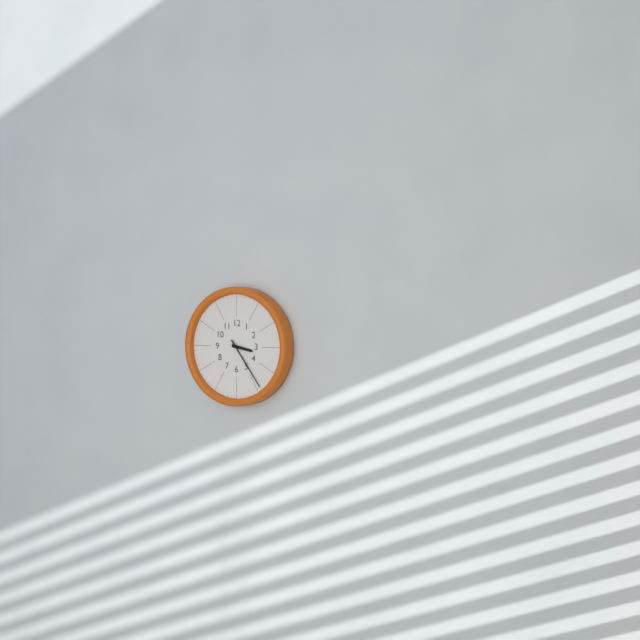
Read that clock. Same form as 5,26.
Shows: 3,24
